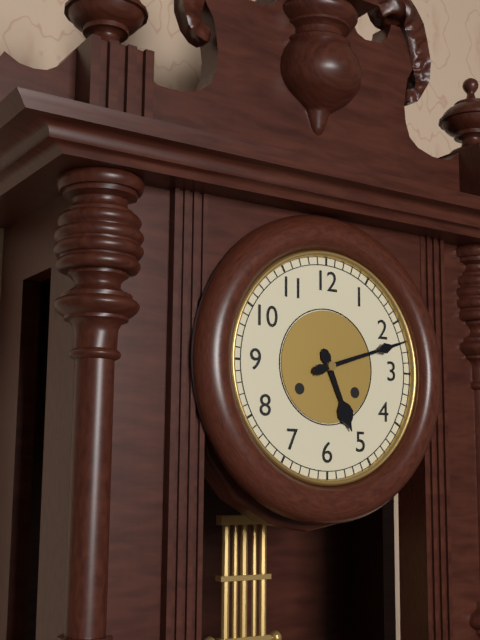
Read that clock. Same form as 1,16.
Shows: 5,12
